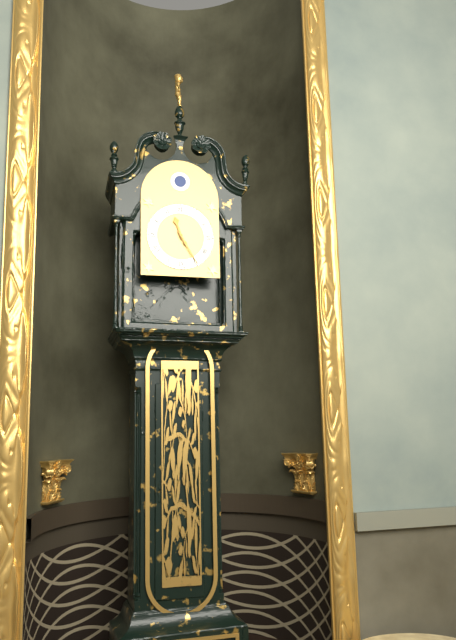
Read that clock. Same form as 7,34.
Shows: 11,25
